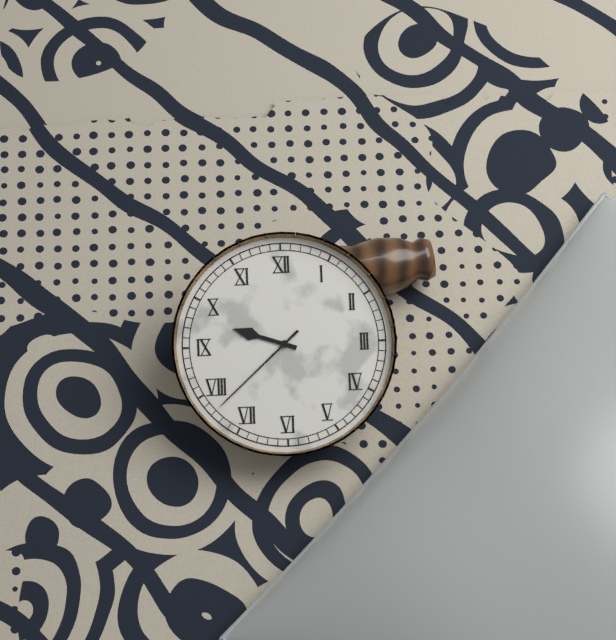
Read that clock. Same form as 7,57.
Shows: 9,38
